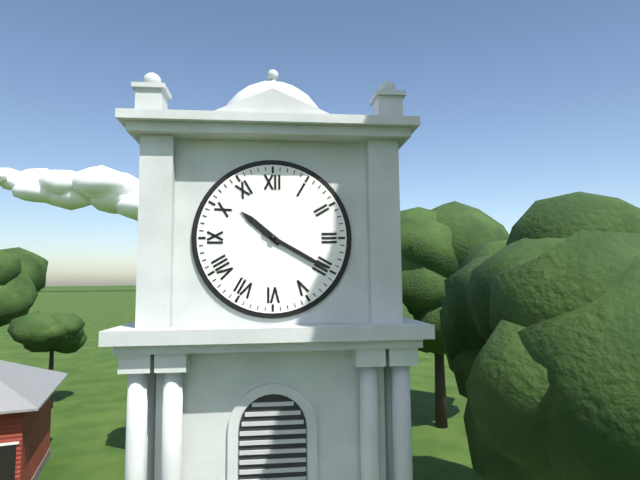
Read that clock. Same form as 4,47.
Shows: 10,20
